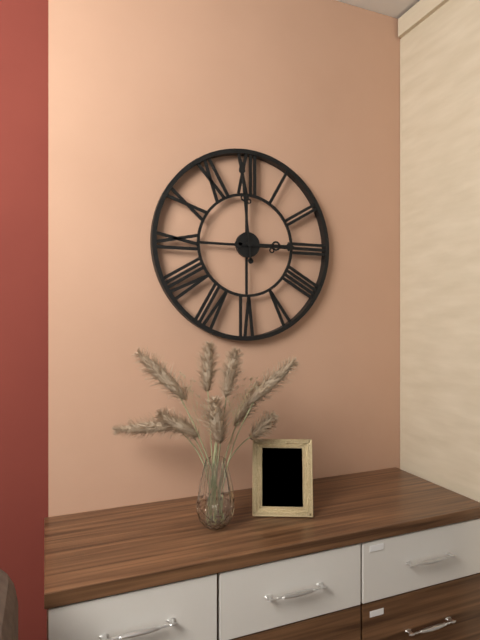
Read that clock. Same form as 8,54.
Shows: 2,59
